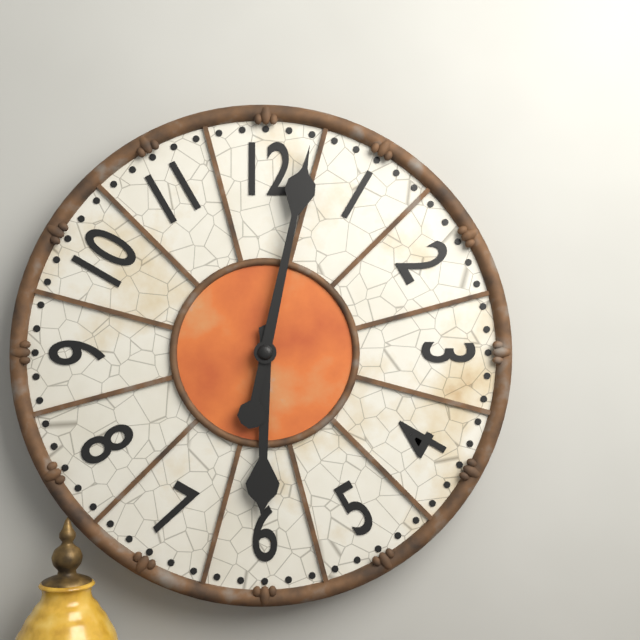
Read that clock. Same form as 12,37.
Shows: 6,02
